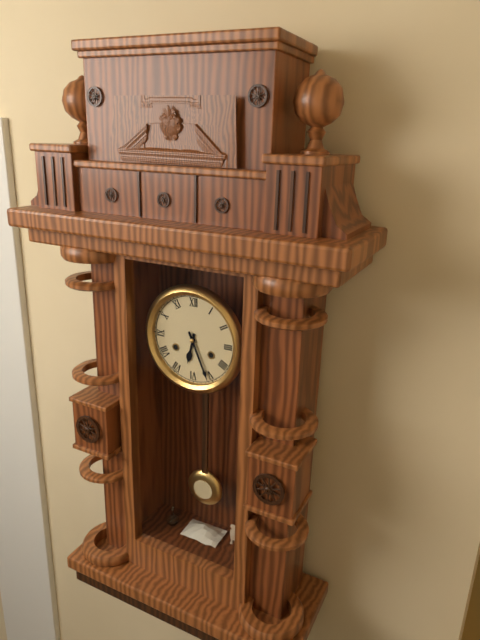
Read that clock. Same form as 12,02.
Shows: 6,26
